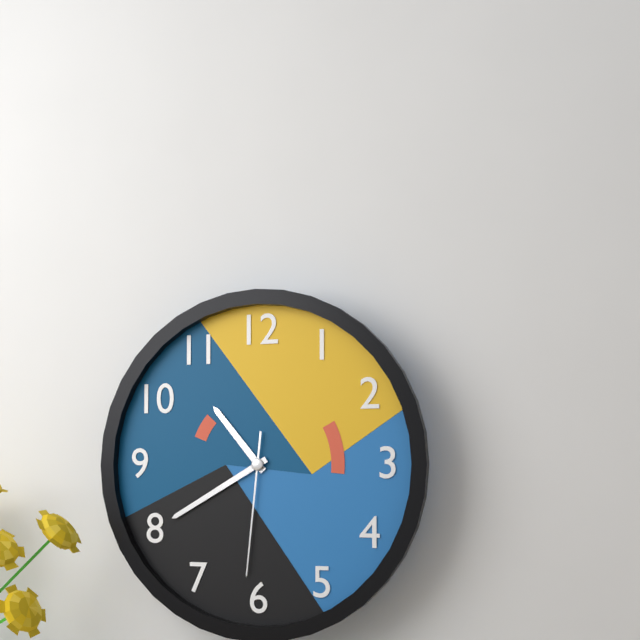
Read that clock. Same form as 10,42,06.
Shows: 10,40,31
